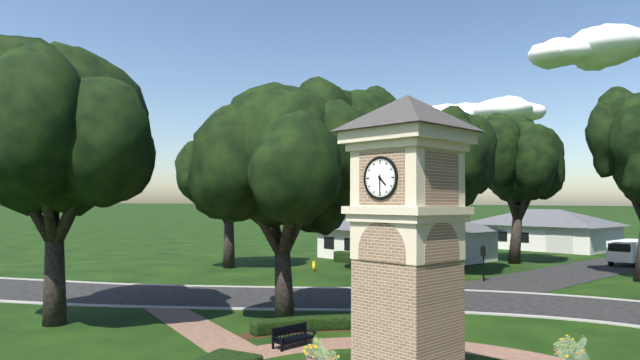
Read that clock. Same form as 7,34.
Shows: 4,30
